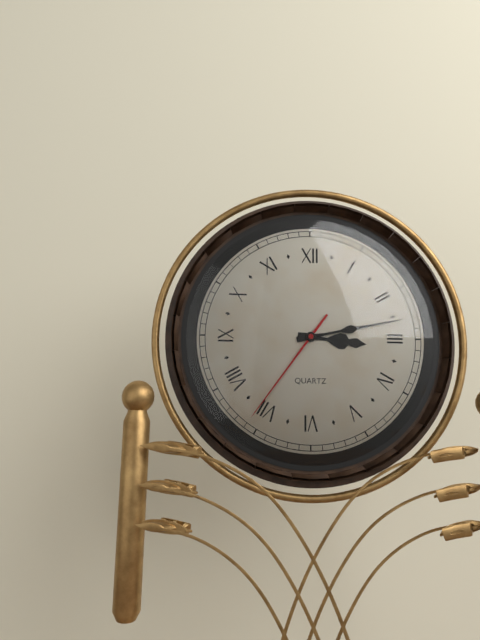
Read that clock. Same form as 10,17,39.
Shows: 3,13,36
